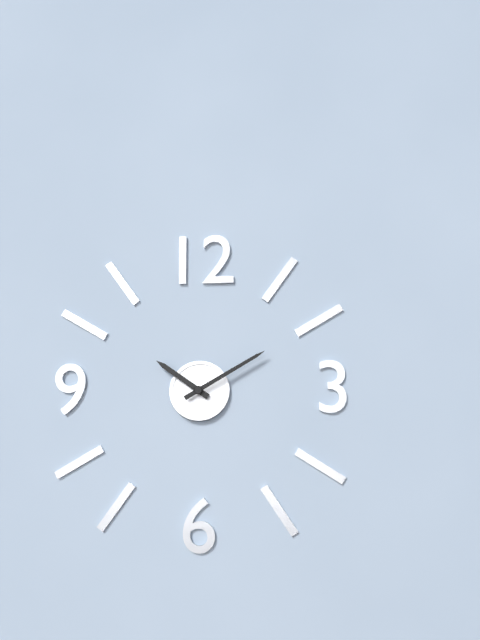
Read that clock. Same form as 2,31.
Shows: 10,10
